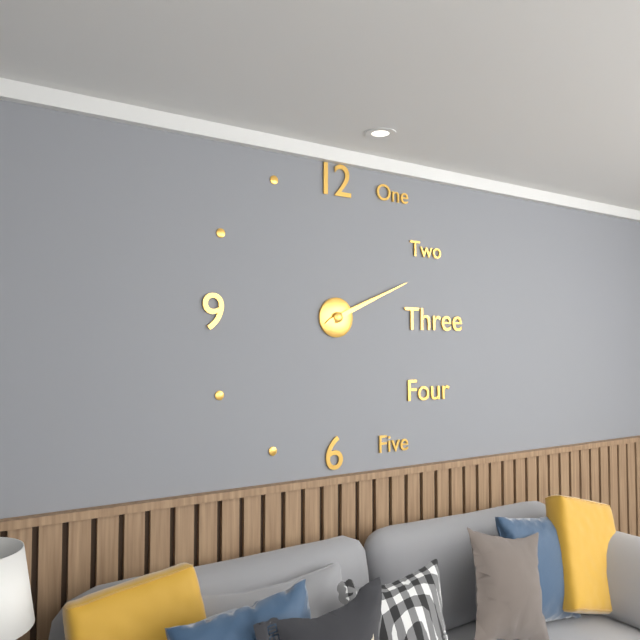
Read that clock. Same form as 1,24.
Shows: 2,11
